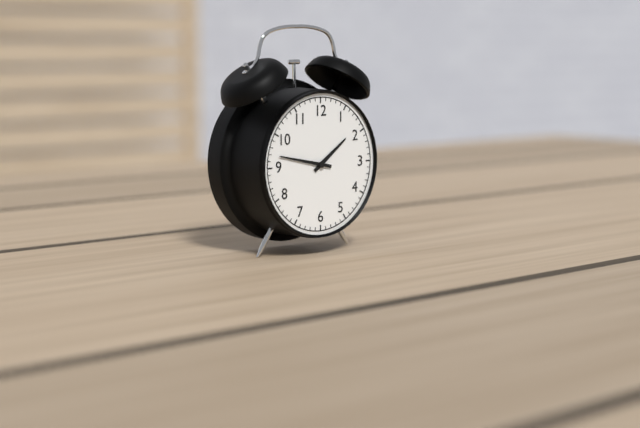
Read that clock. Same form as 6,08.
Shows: 1,47
